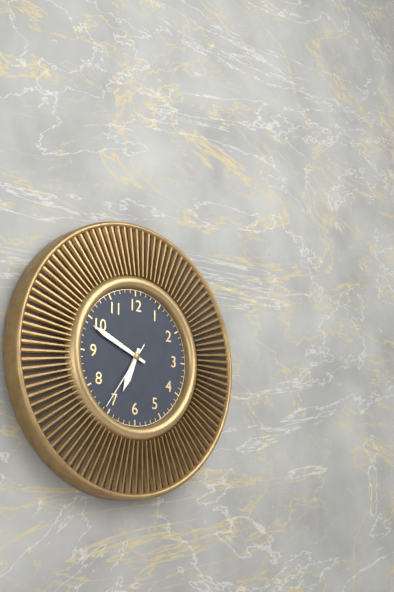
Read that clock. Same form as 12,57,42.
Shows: 6,49,36
